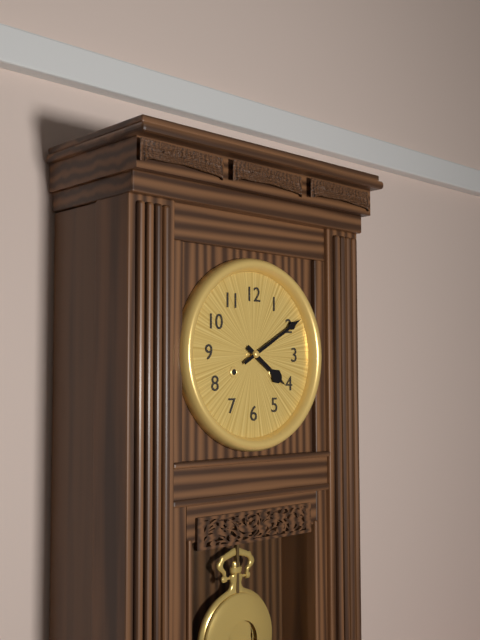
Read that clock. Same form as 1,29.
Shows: 4,10
